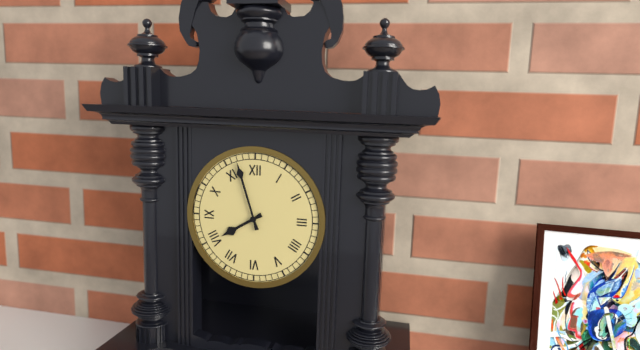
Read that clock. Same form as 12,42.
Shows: 7,57
